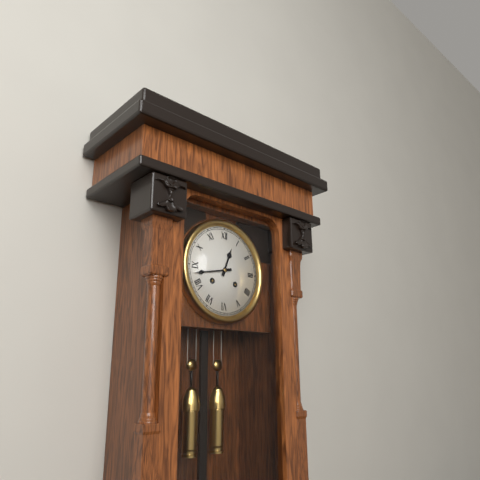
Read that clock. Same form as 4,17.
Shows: 12,43
